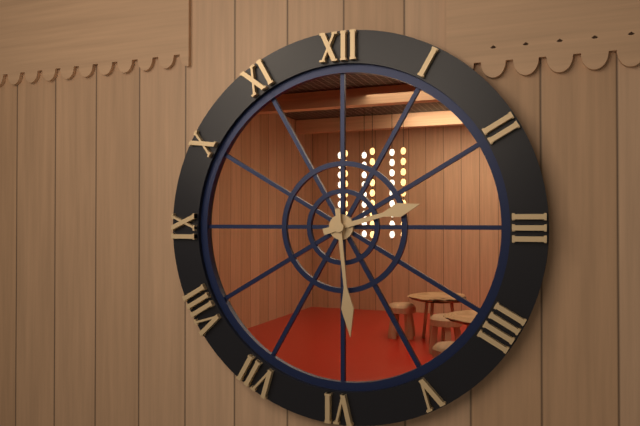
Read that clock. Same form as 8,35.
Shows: 2,29
